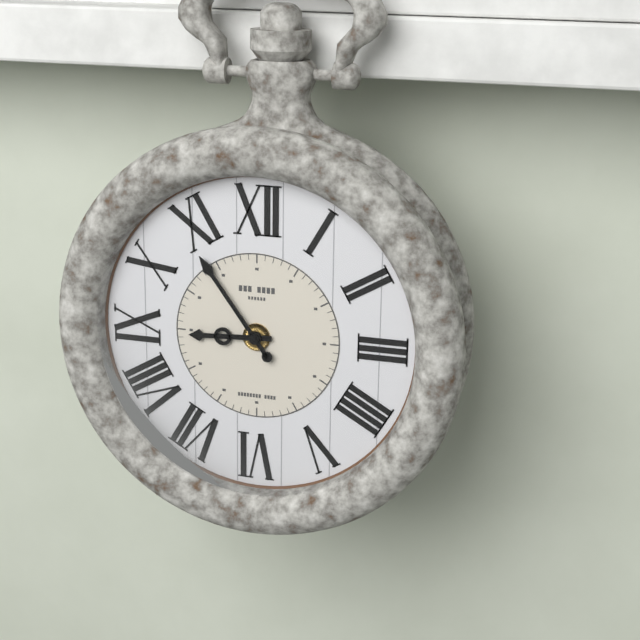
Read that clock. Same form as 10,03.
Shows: 8,54
